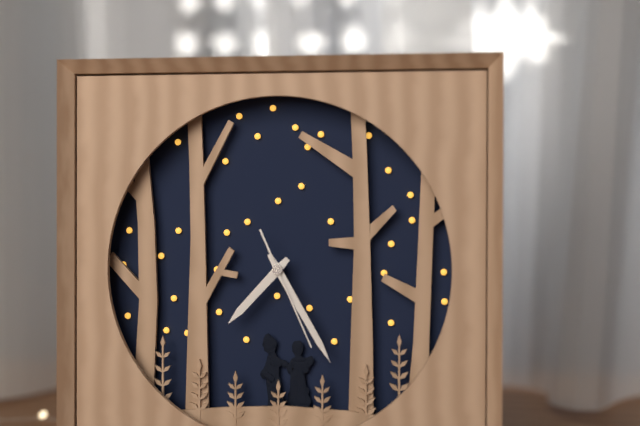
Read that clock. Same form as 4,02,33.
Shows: 7,25,26
